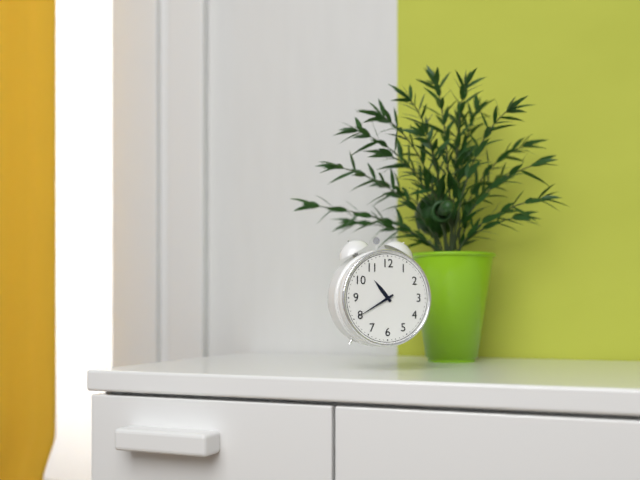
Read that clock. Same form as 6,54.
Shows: 10,40
